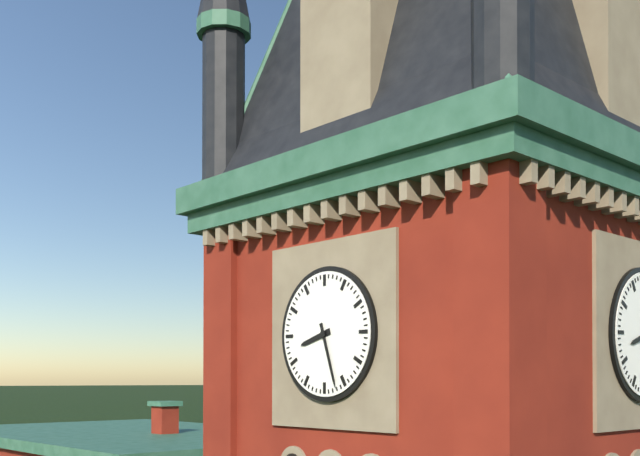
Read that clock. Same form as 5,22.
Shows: 8,27
